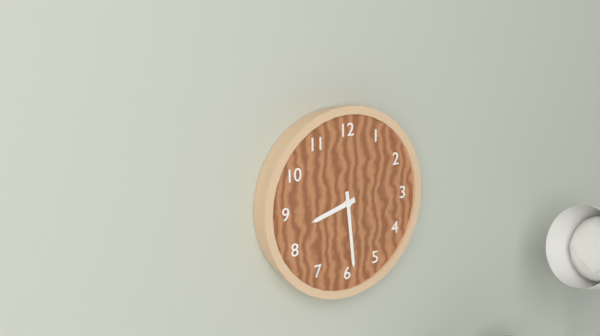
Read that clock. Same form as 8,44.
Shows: 8,29
